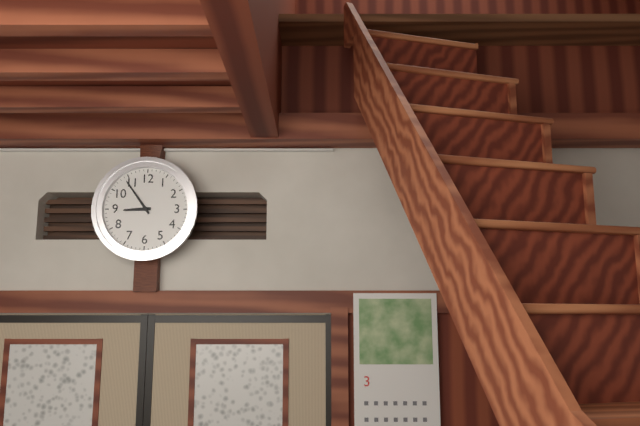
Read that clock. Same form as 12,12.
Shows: 8,54
